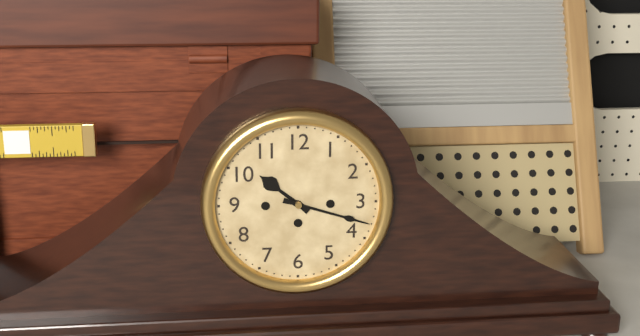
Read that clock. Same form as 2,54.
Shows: 10,18
